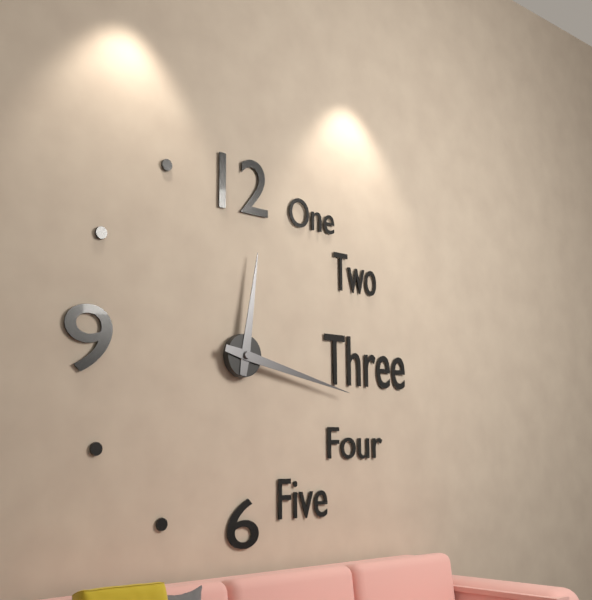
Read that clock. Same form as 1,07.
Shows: 12,17
